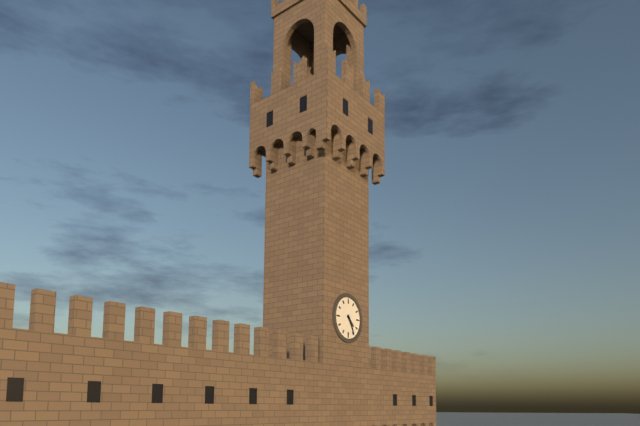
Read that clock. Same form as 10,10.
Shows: 4,25
